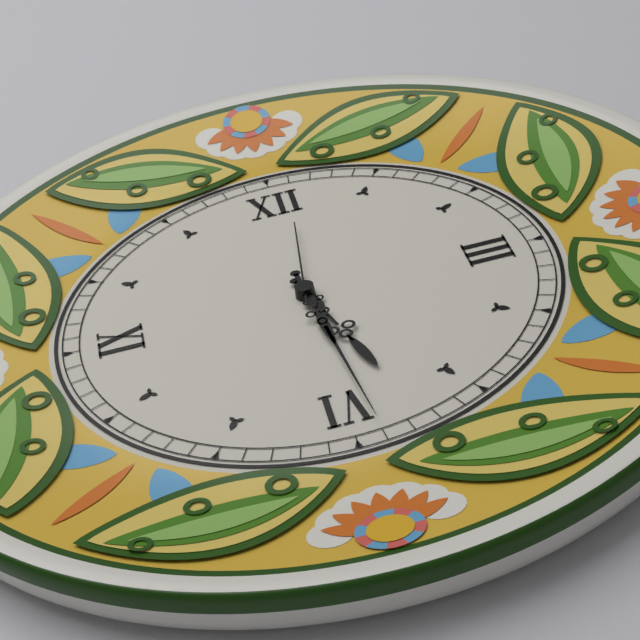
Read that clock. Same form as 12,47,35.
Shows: 5,29,01
